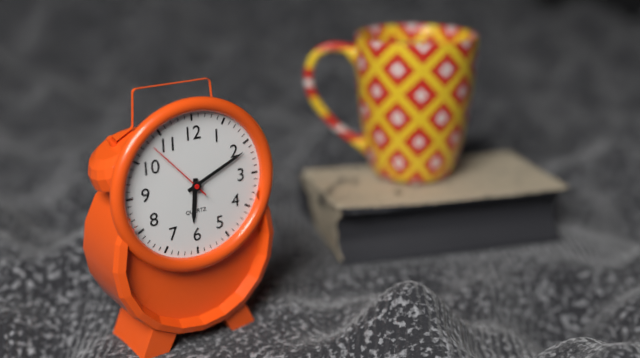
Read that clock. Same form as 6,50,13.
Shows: 6,11,53
